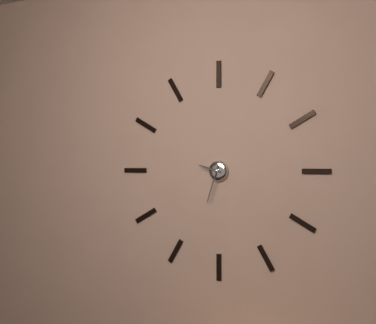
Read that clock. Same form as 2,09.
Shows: 9,33
